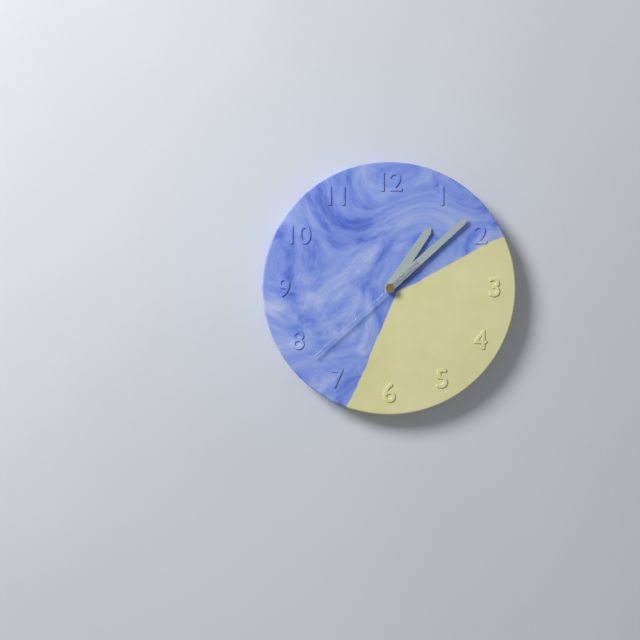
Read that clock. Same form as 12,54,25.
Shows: 1,08,38
